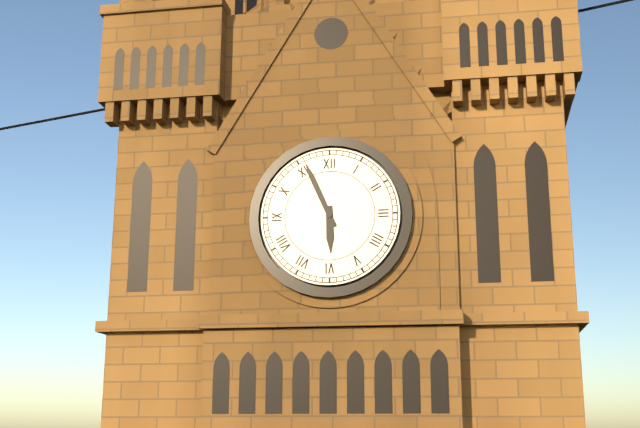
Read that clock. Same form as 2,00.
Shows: 5,56
